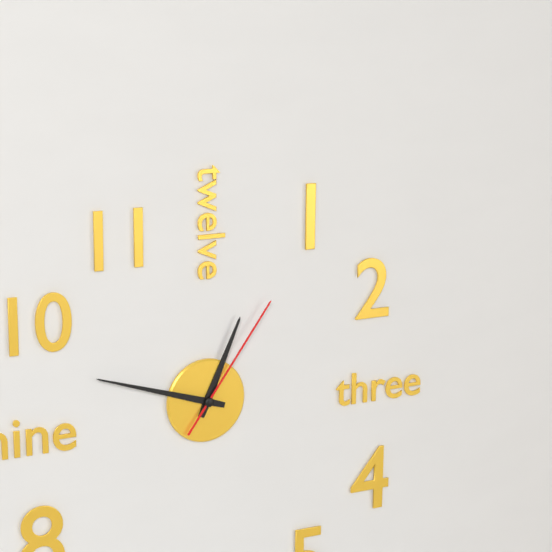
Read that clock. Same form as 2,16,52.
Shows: 12,48,06
